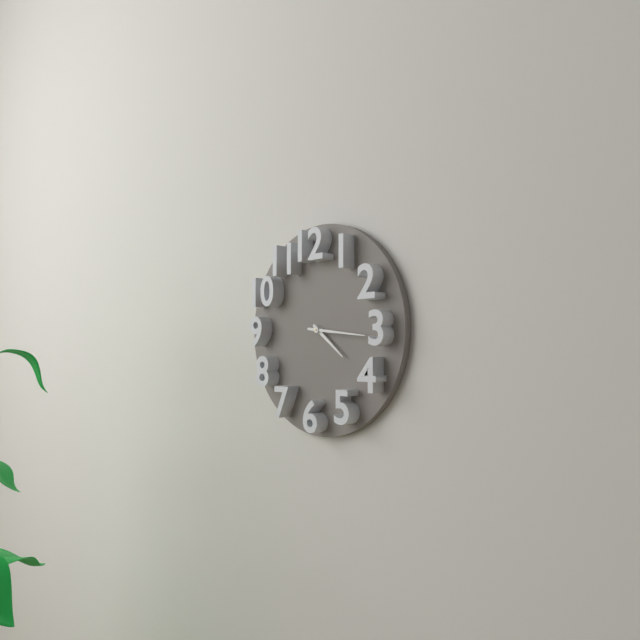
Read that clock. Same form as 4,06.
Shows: 4,16
